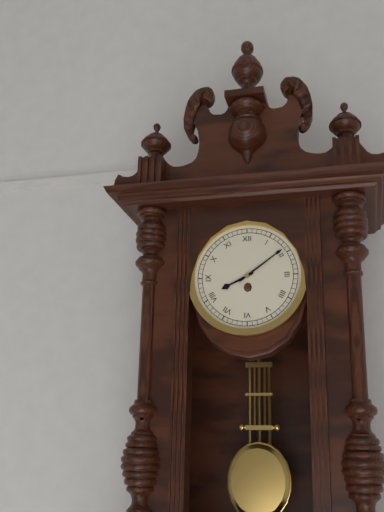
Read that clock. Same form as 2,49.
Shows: 8,09
